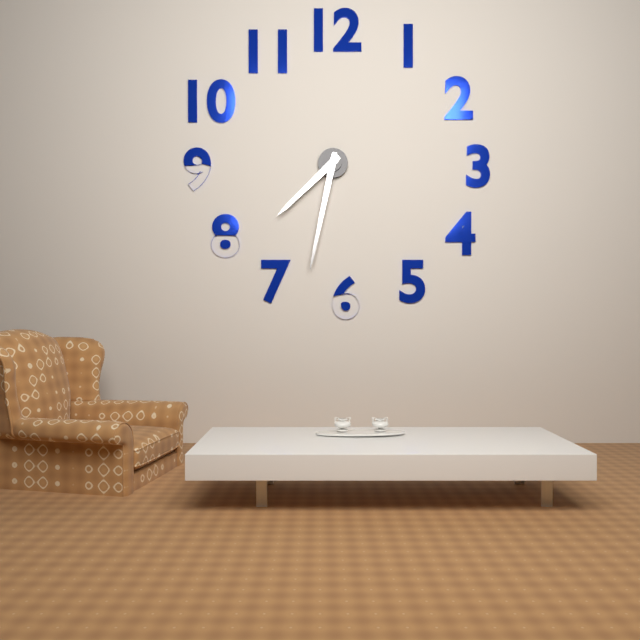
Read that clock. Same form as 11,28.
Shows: 7,32
